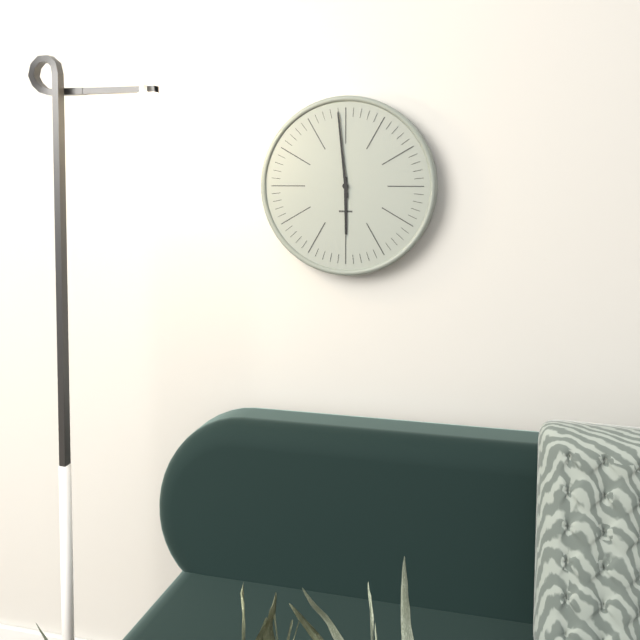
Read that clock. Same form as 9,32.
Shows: 5,59
